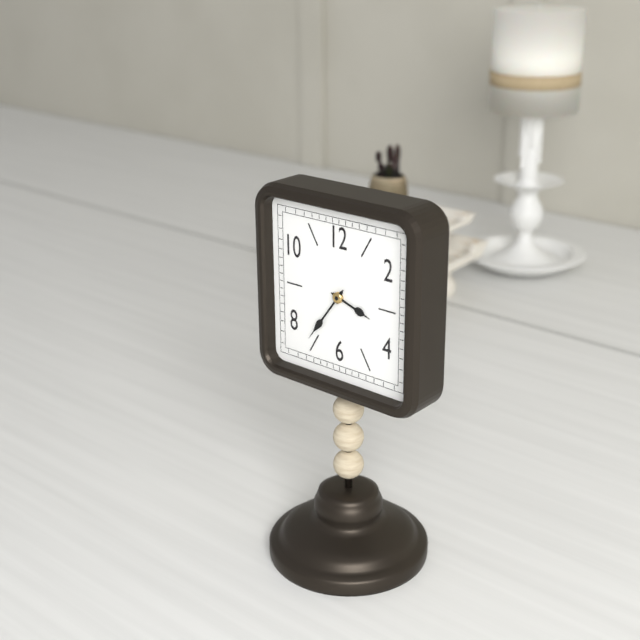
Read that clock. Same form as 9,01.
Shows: 3,36
